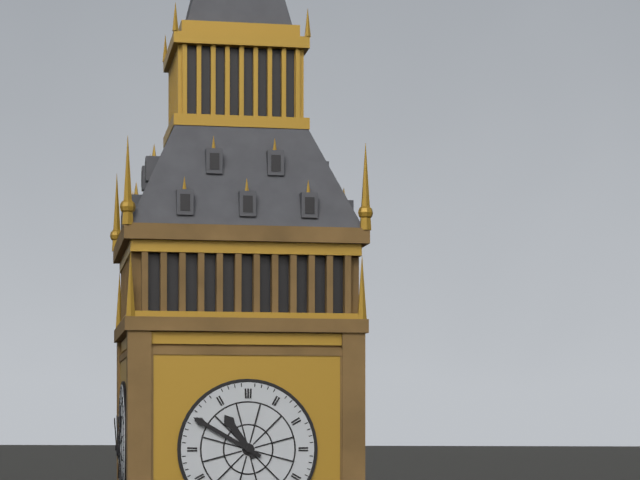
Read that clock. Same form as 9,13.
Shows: 10,50
